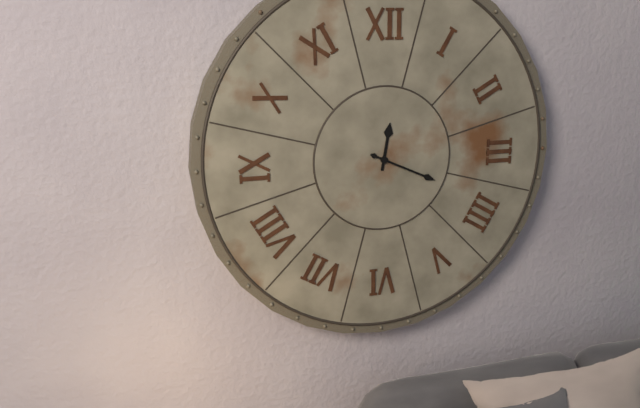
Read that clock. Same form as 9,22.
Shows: 12,19
